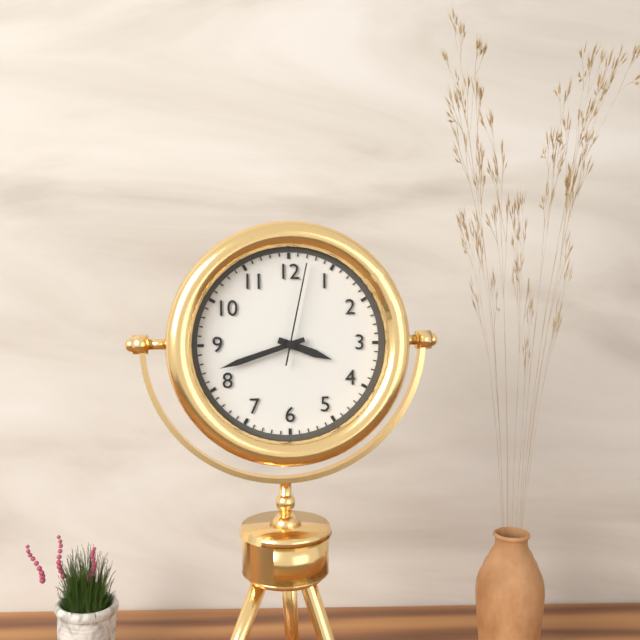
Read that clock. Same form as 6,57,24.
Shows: 3,42,02
